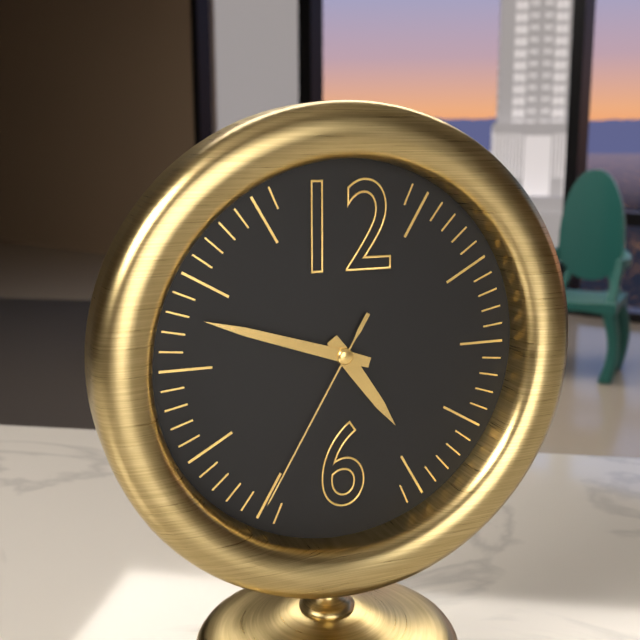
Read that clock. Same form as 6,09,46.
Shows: 4,48,35
